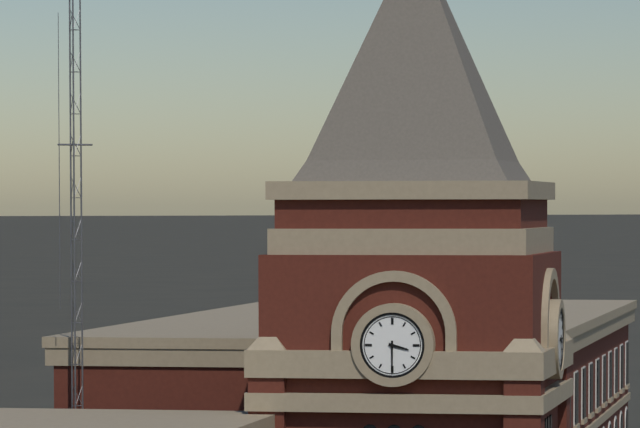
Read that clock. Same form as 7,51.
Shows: 3,30
